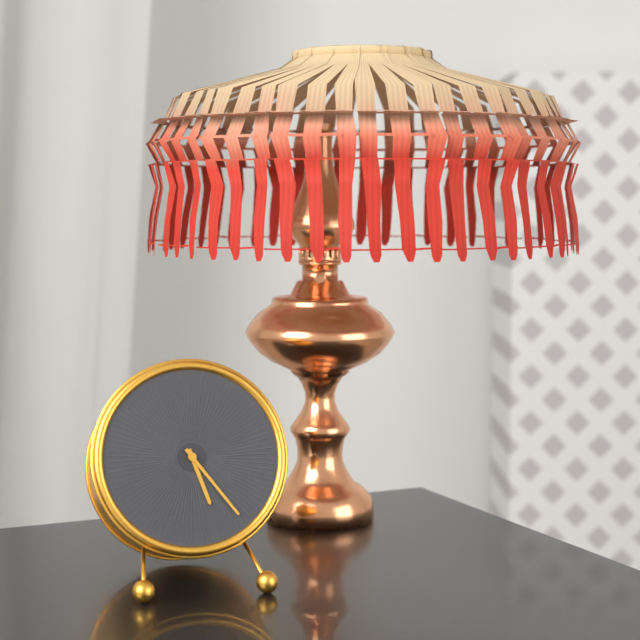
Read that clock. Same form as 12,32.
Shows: 5,24
